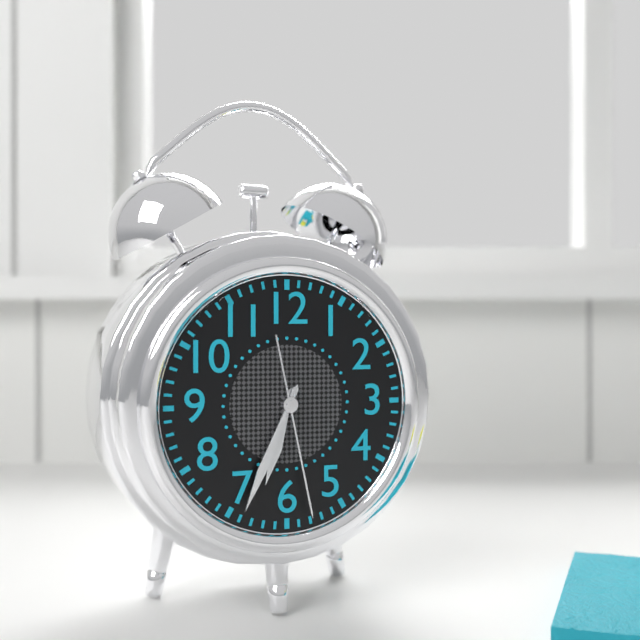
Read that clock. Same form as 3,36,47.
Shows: 6,34,28
